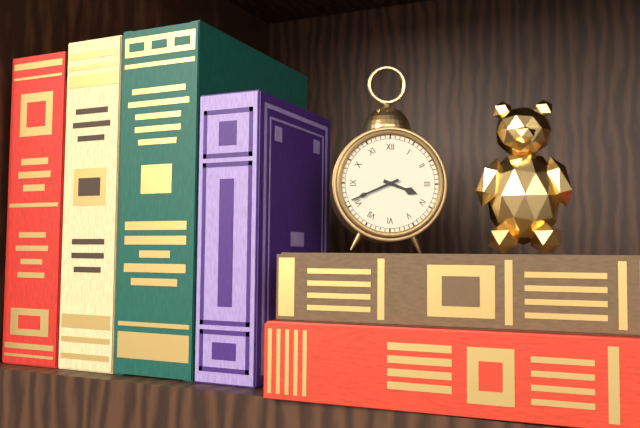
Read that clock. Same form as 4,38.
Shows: 3,41
